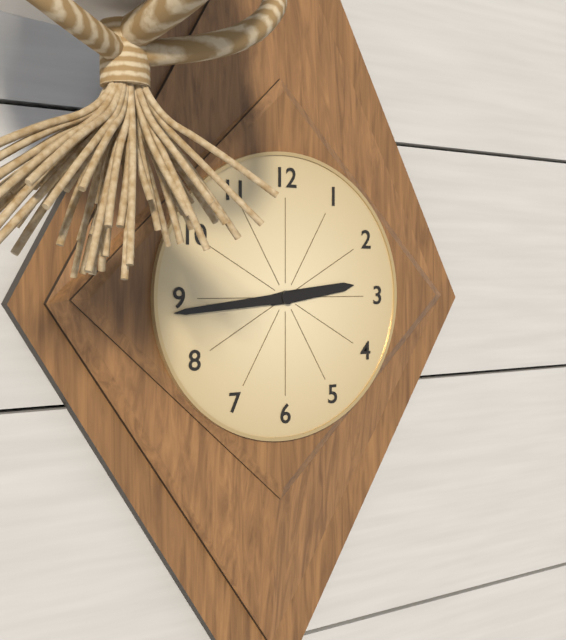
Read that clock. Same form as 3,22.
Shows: 2,44
